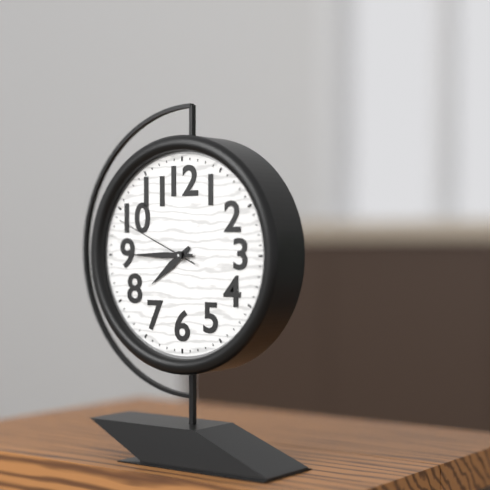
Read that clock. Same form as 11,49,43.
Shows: 7,45,49
